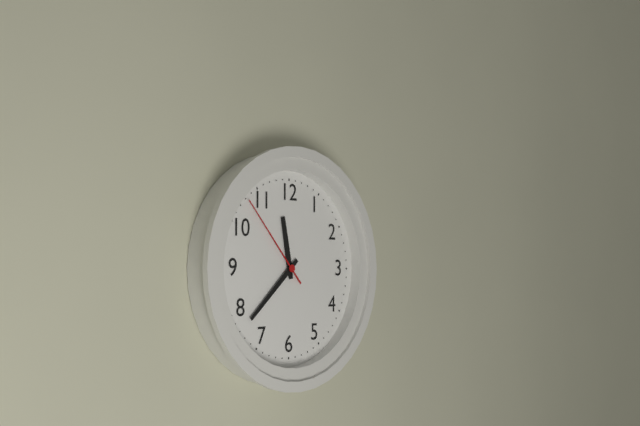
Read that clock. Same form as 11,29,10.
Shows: 11,38,53
